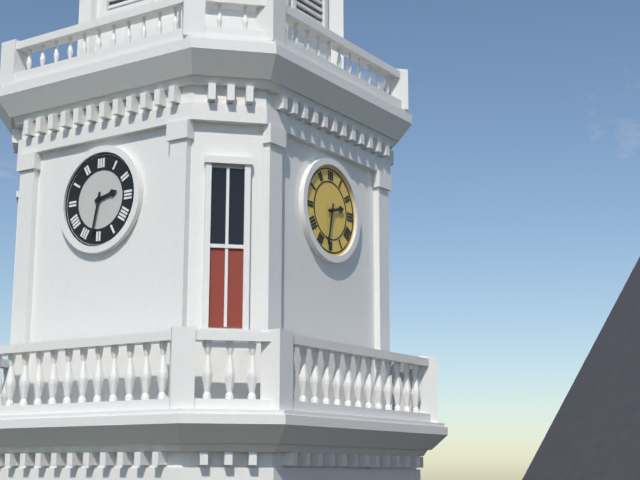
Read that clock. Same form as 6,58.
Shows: 2,32
